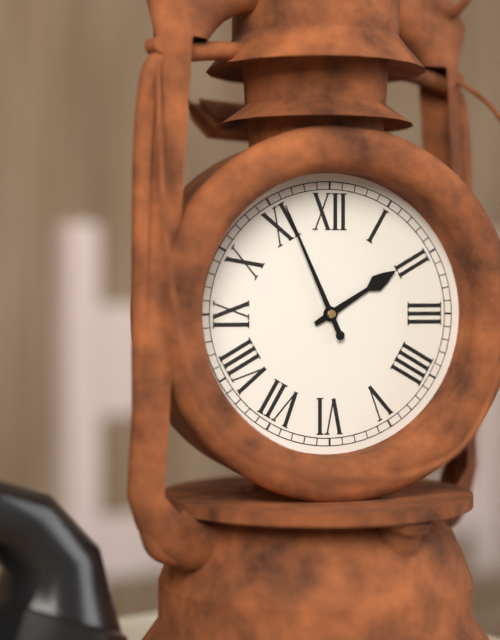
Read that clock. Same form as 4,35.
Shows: 1,56
